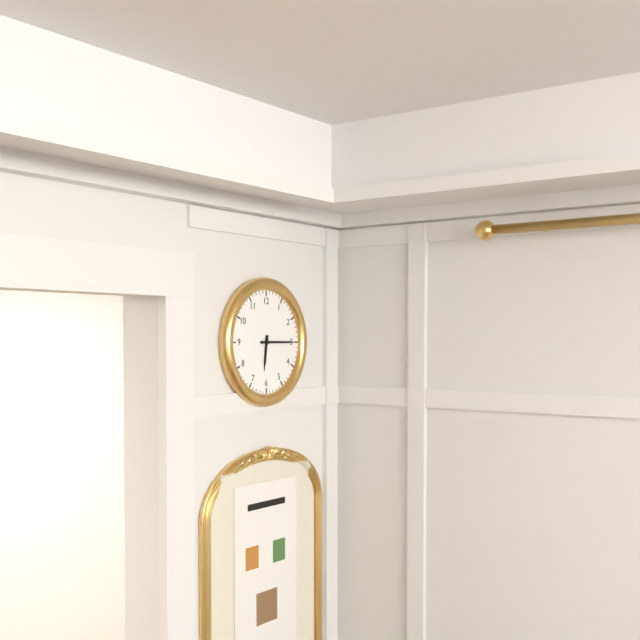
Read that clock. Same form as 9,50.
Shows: 6,15
